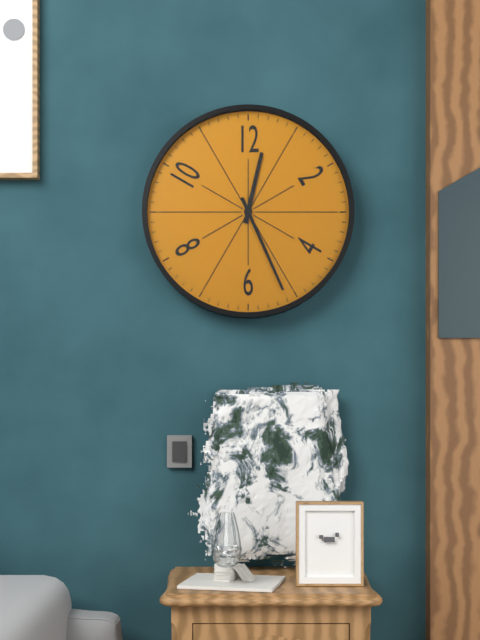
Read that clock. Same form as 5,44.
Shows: 12,26
